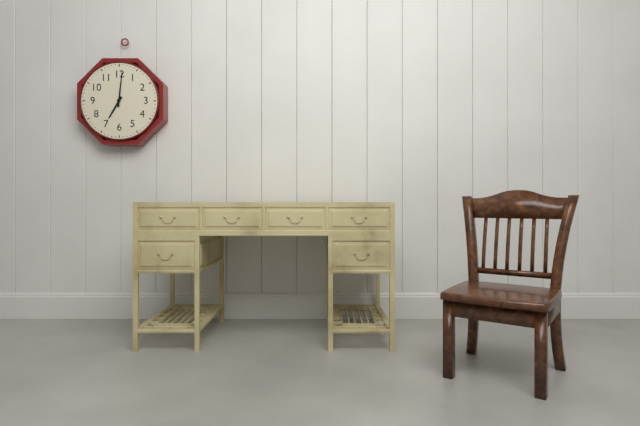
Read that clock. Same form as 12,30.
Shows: 7,01
